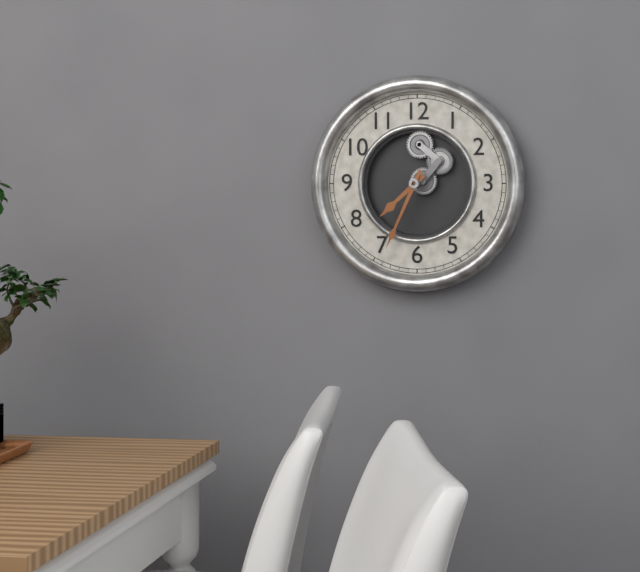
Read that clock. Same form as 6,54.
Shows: 7,34
